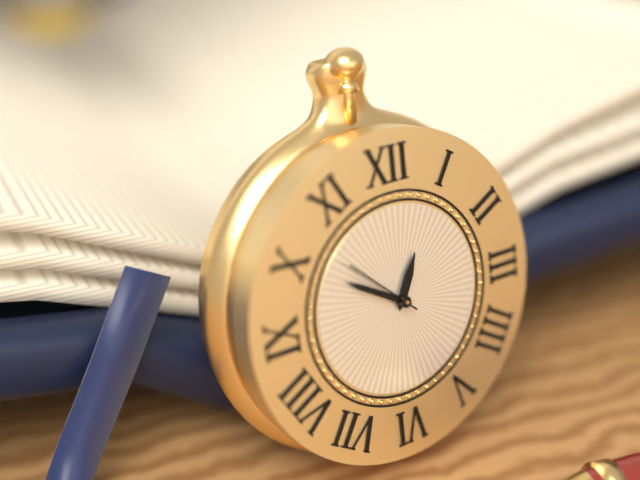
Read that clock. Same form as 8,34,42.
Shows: 12,50,52
